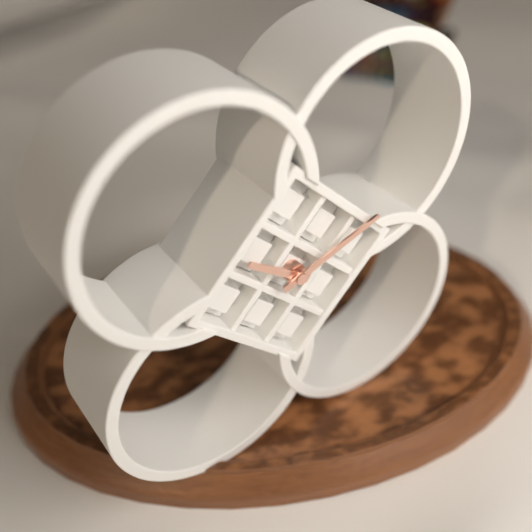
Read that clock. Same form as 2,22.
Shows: 10,12
